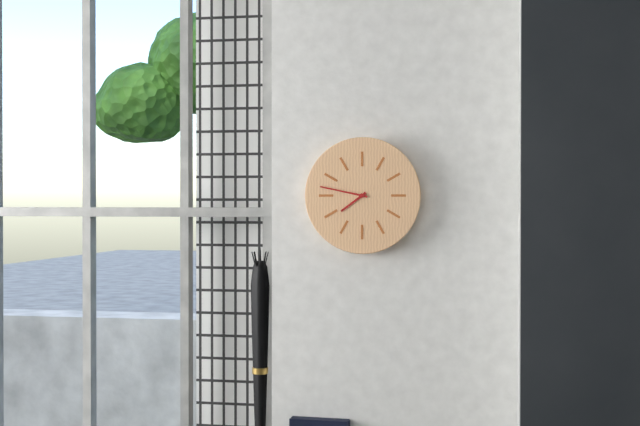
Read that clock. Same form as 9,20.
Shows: 7,47
